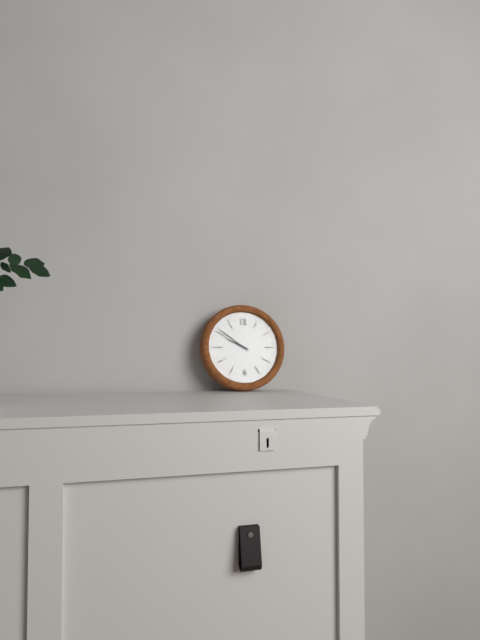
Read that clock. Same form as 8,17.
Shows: 9,51
